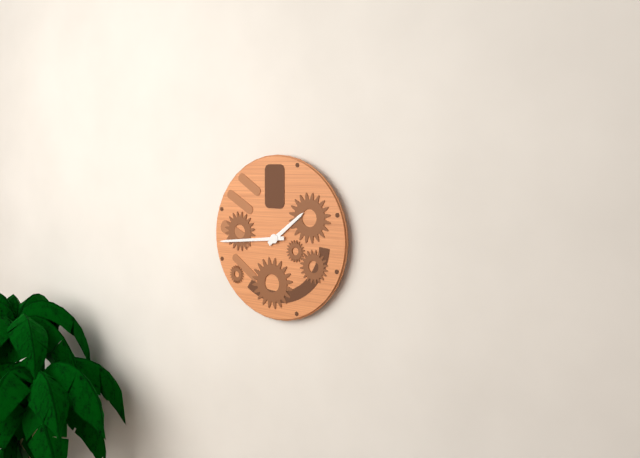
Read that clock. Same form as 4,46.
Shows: 1,44
